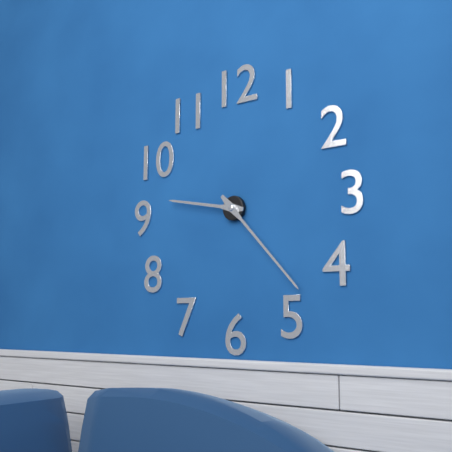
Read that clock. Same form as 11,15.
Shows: 9,23
